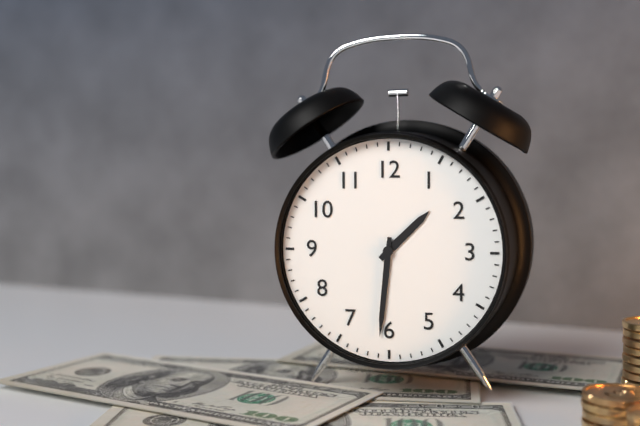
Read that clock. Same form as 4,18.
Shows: 1,31
